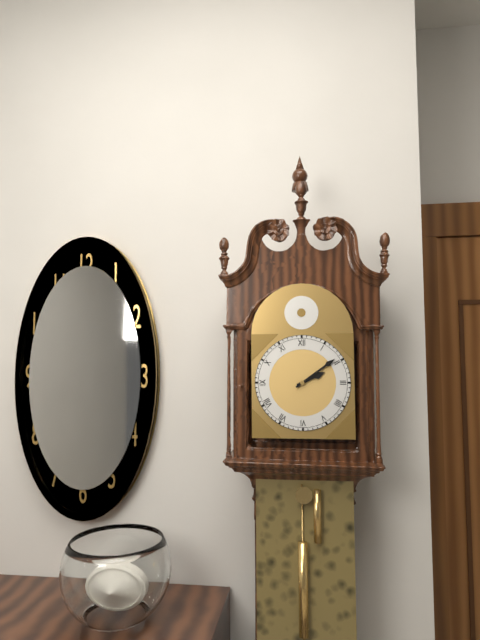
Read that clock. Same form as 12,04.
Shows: 2,09
